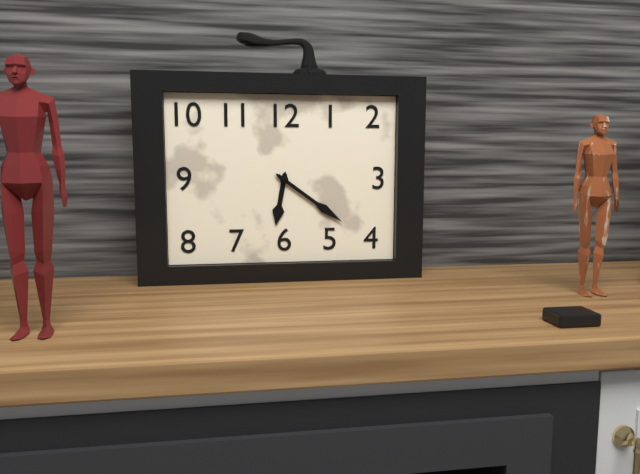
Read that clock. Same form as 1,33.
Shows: 6,21
